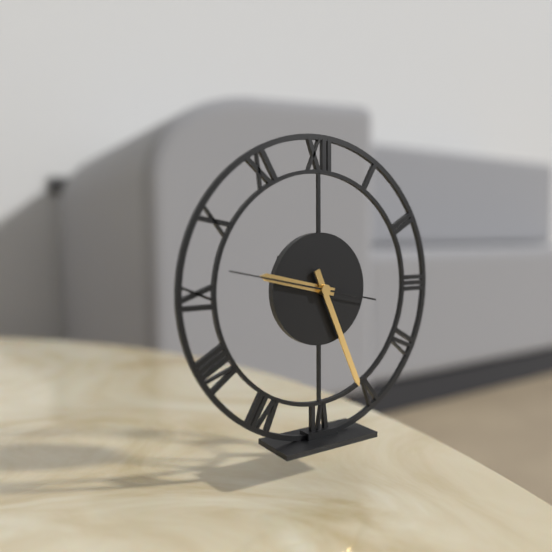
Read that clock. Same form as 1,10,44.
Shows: 9,26,47
